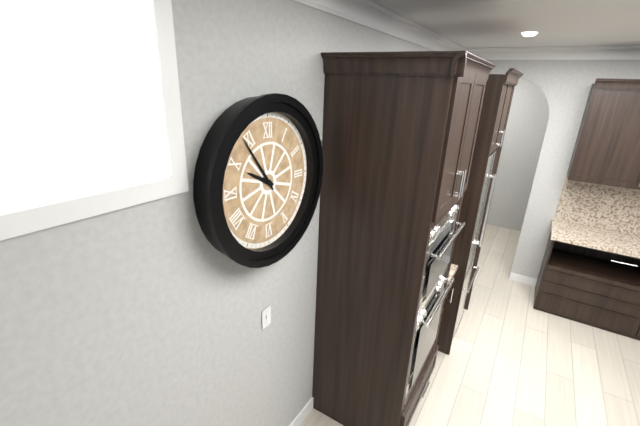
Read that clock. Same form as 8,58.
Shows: 9,54
